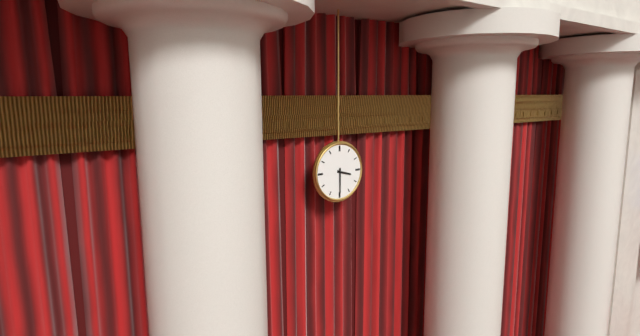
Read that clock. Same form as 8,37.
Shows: 3,30
